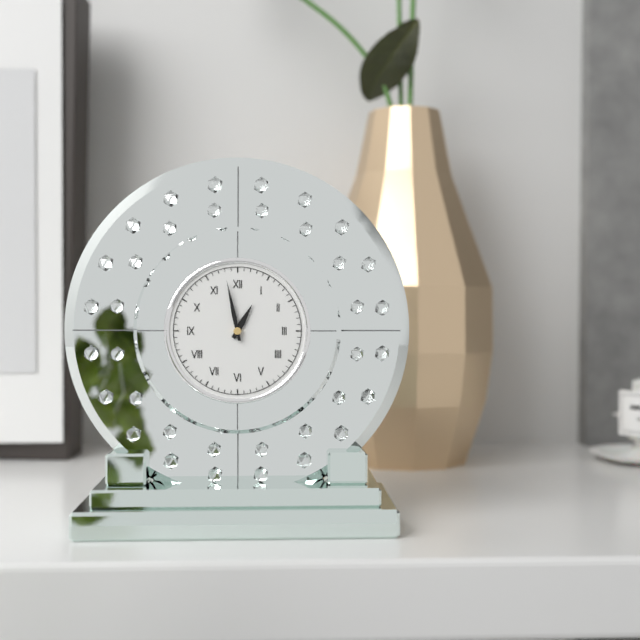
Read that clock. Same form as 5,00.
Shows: 12,58
